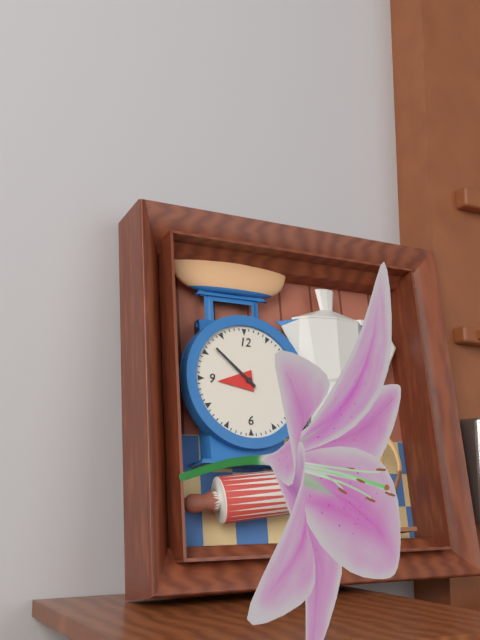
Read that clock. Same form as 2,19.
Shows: 8,52
